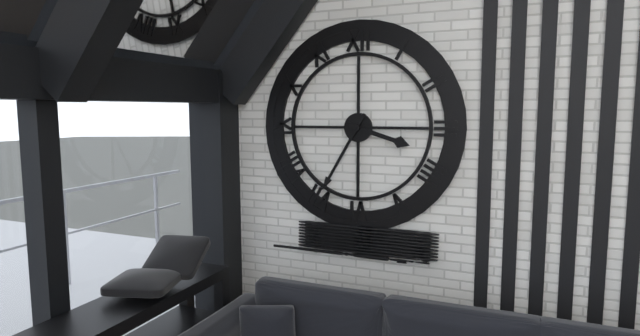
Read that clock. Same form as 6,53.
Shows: 3,35
